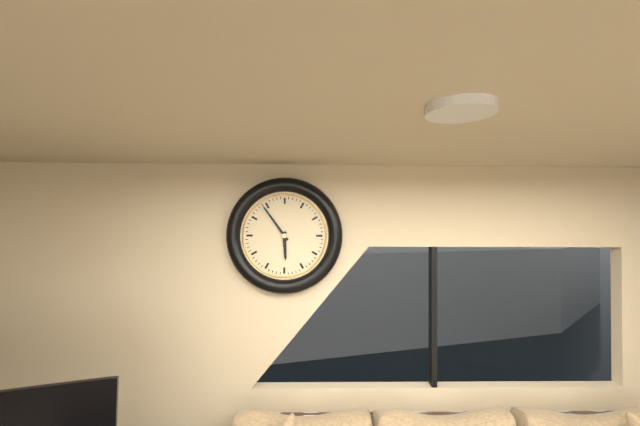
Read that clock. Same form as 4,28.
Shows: 5,54
